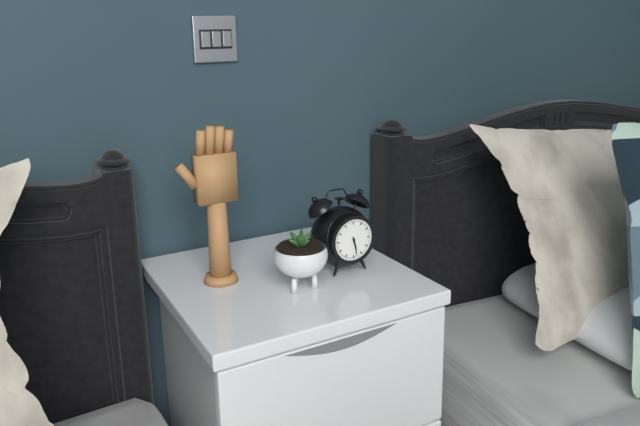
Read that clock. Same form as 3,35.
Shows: 5,28
